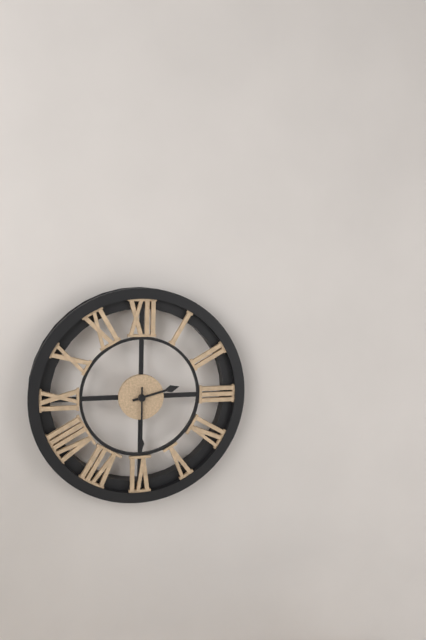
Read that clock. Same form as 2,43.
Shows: 2,30
